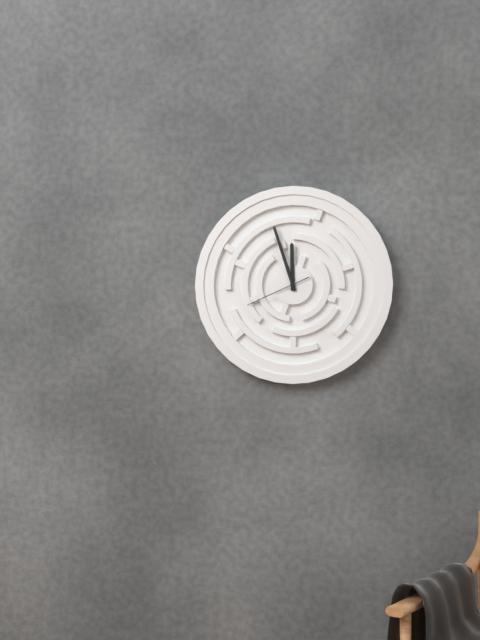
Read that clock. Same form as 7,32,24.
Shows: 11,57,41
